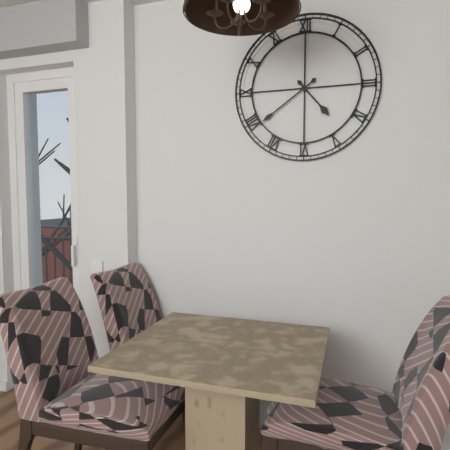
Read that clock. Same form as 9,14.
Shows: 4,39
